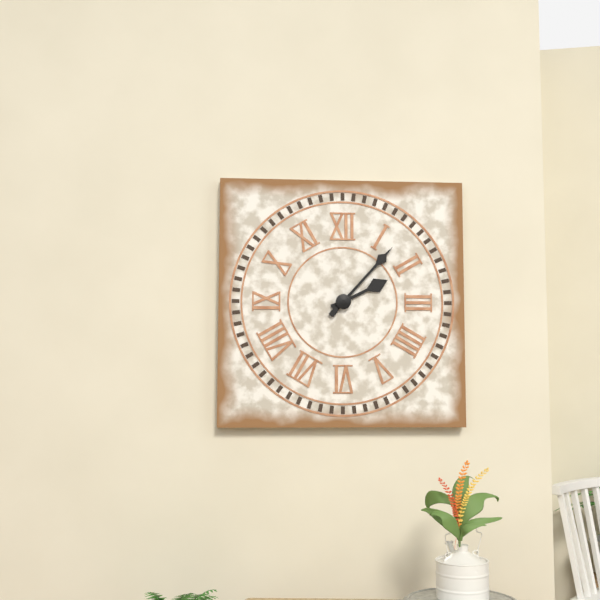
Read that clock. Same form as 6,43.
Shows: 2,07
